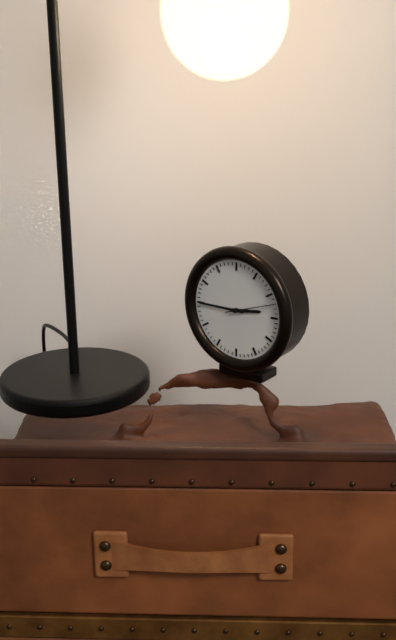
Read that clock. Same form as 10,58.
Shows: 2,45
